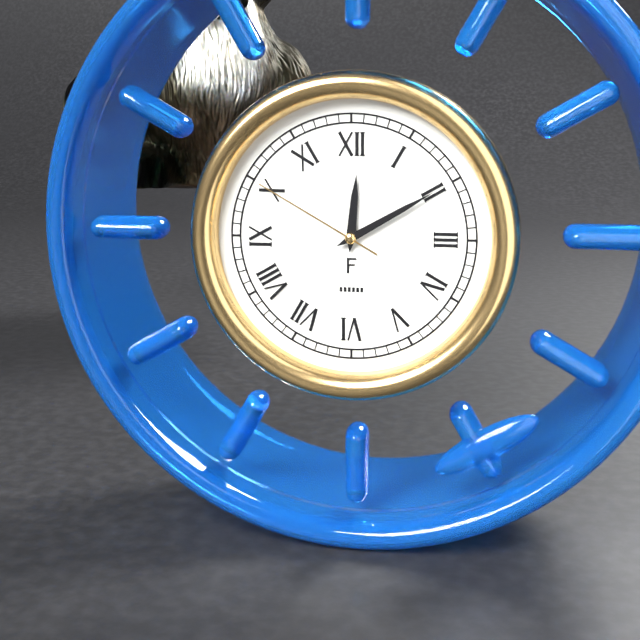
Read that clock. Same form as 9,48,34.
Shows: 12,10,50
